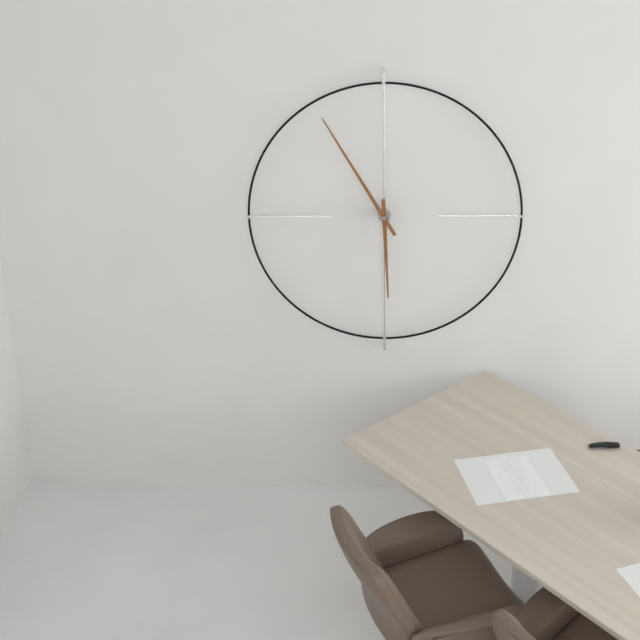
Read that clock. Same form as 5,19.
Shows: 5,55
